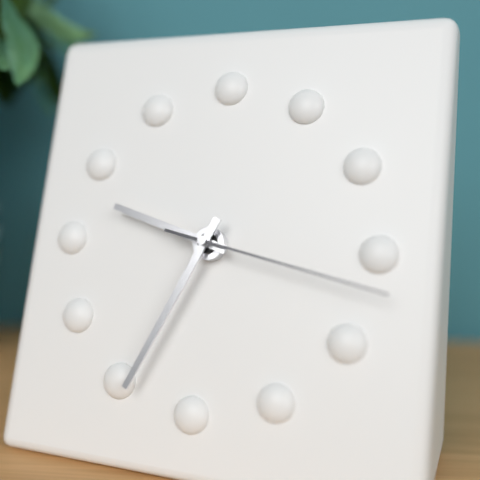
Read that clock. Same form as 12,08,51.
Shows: 9,34,17
